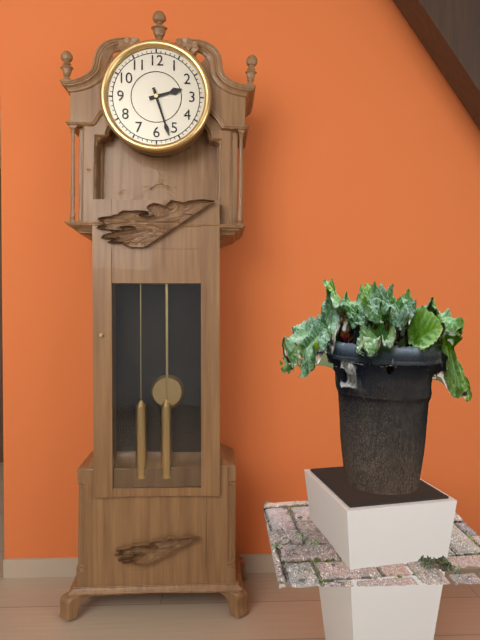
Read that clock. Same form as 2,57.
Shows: 2,27
